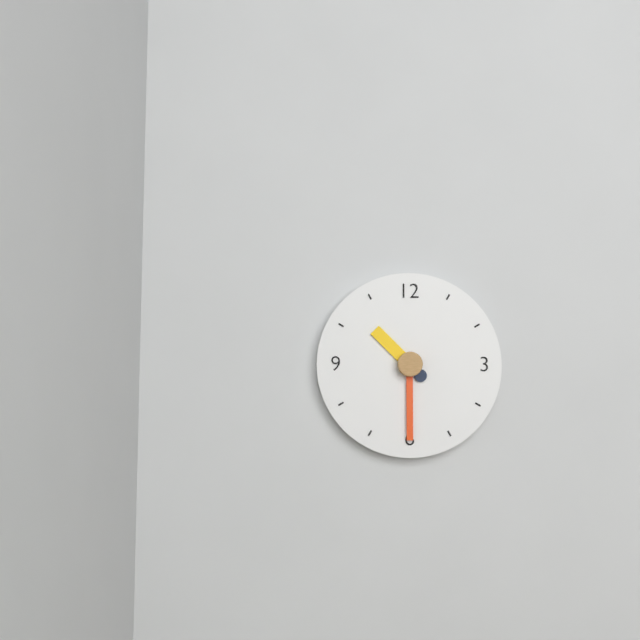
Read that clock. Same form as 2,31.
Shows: 10,30
